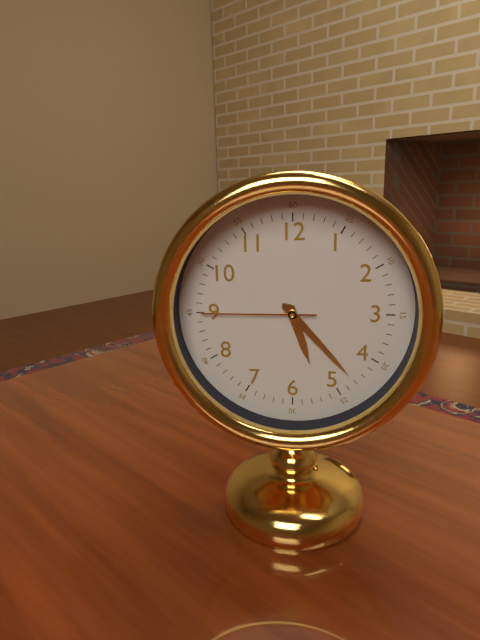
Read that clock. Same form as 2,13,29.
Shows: 5,23,45
